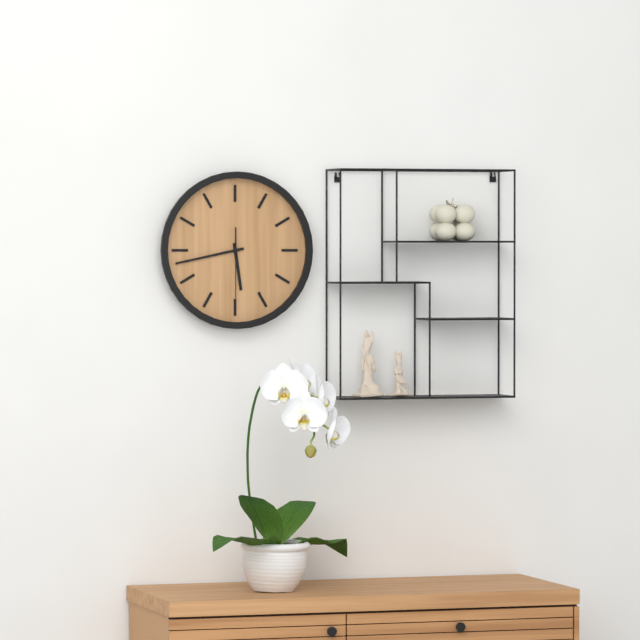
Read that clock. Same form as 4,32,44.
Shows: 5,43,30
